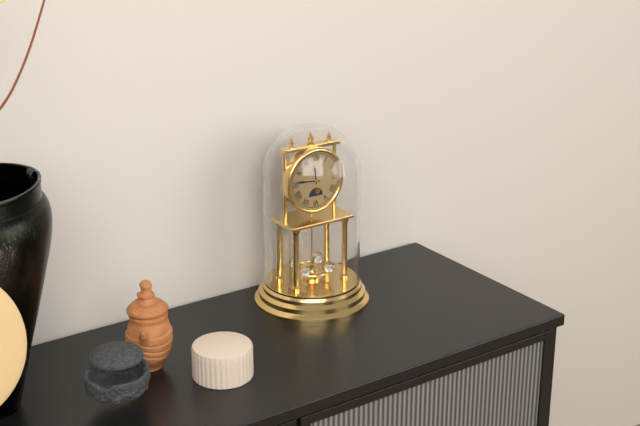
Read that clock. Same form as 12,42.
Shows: 11,46
